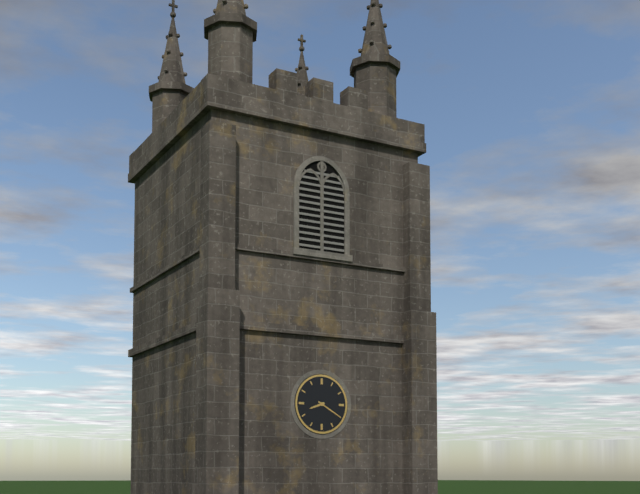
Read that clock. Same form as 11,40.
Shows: 8,20
